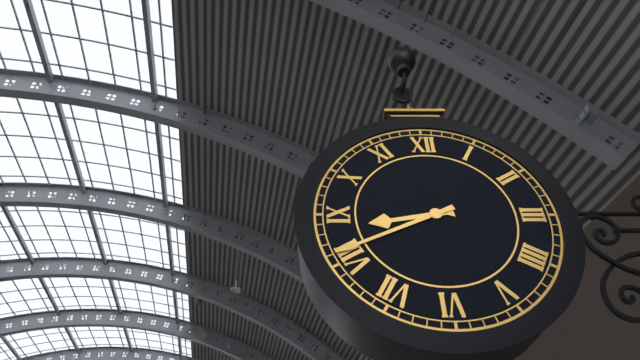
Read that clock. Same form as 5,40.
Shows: 8,41
